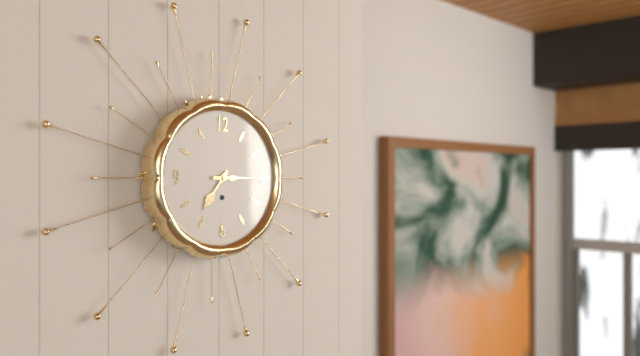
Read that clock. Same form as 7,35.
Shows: 7,15
